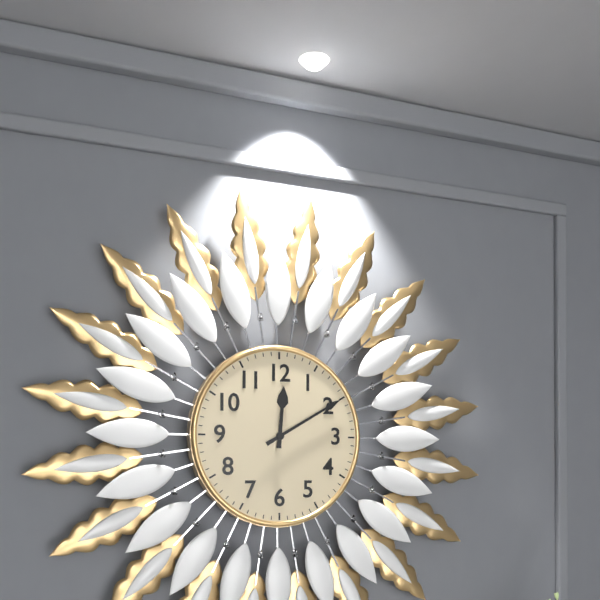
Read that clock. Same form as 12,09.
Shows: 12,10
